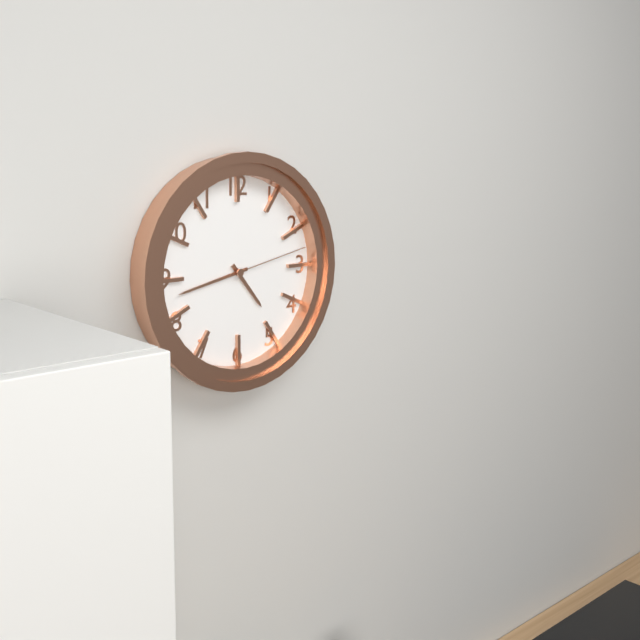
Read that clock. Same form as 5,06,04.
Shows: 4,43,13
